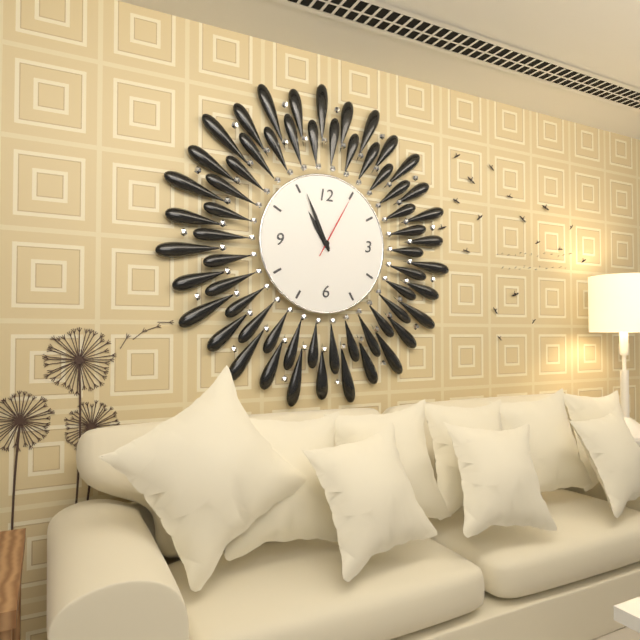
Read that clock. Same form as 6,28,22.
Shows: 10,56,05
